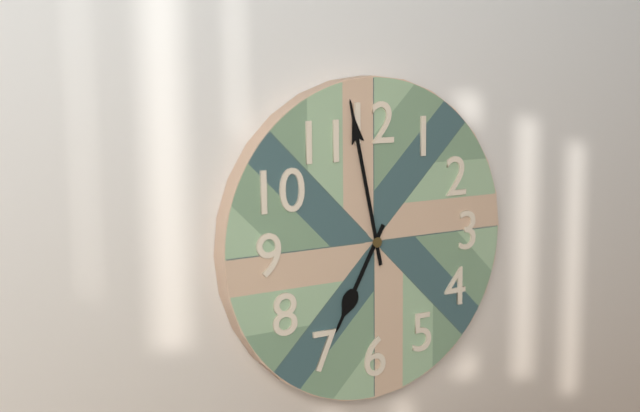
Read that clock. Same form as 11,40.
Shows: 6,58
